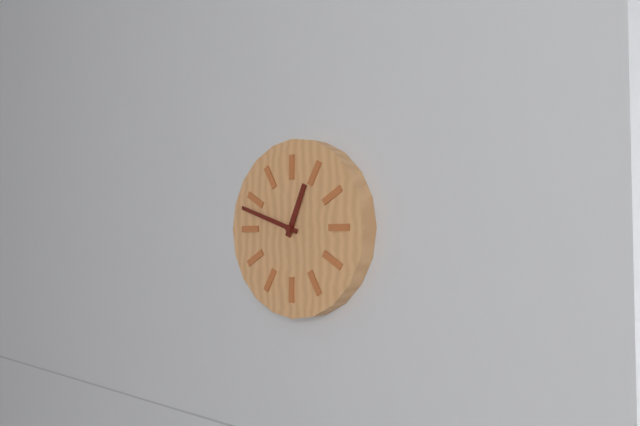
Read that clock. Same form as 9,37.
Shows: 12,48
